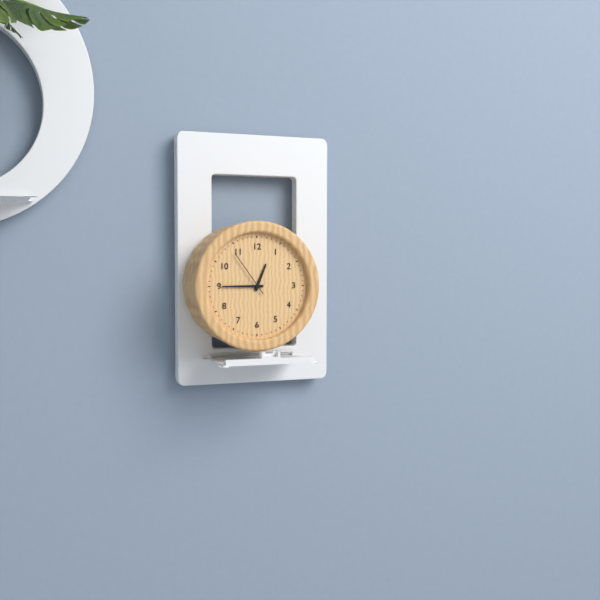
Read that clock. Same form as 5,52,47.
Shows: 12,45,54
